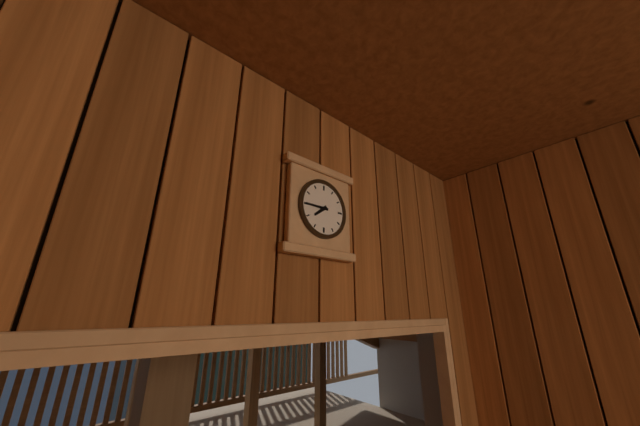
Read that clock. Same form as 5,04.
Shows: 7,45
